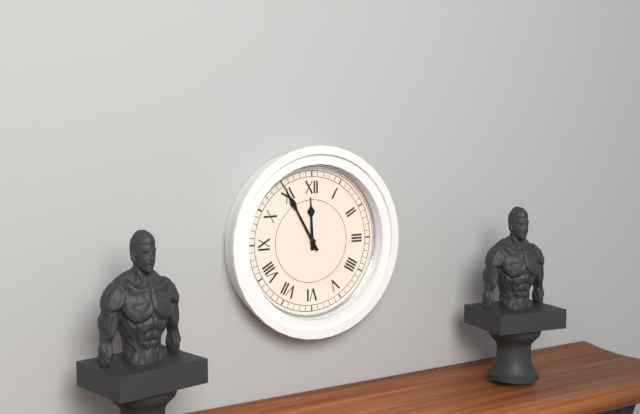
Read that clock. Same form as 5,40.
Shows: 11,55
